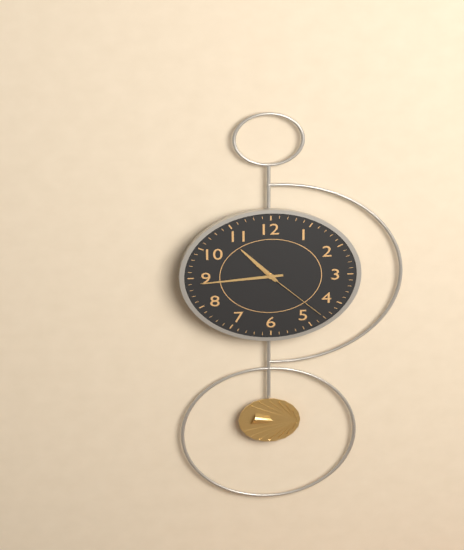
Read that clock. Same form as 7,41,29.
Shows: 10,44,23
